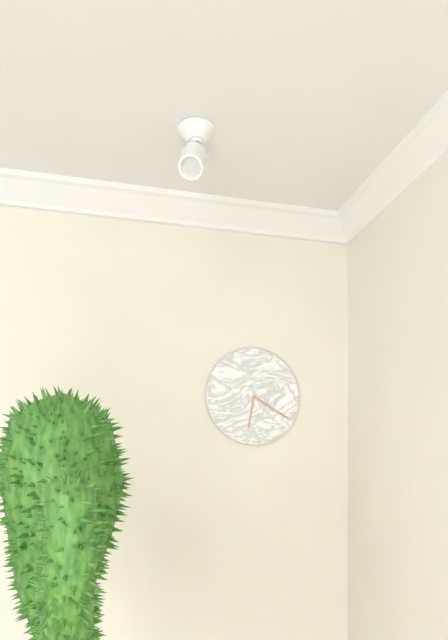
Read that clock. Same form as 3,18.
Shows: 6,20
